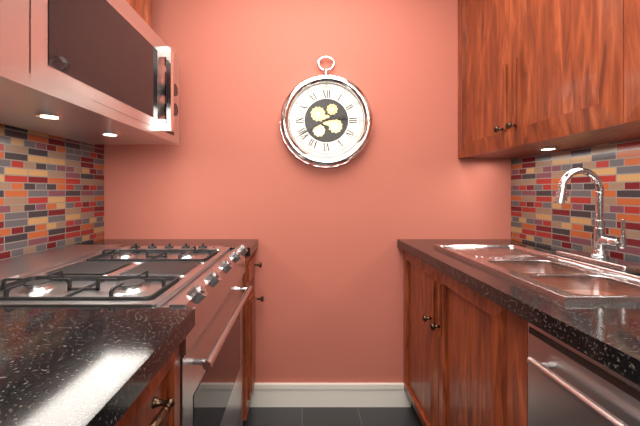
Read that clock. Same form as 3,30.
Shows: 2,40
